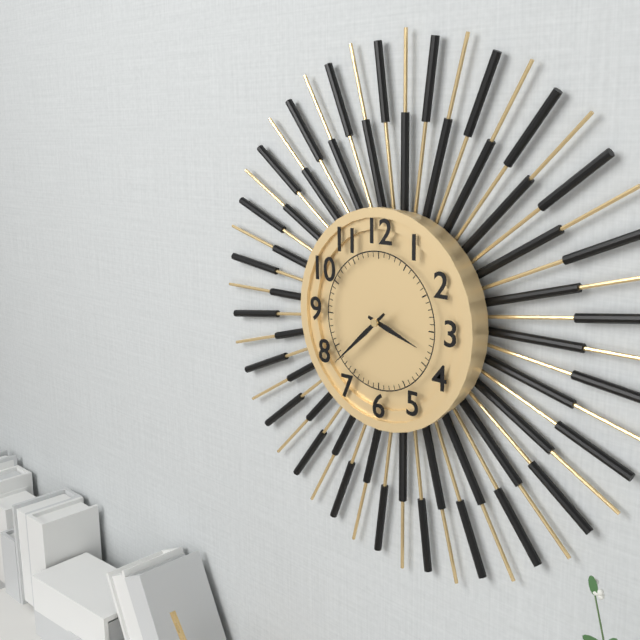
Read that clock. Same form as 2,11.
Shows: 3,38
